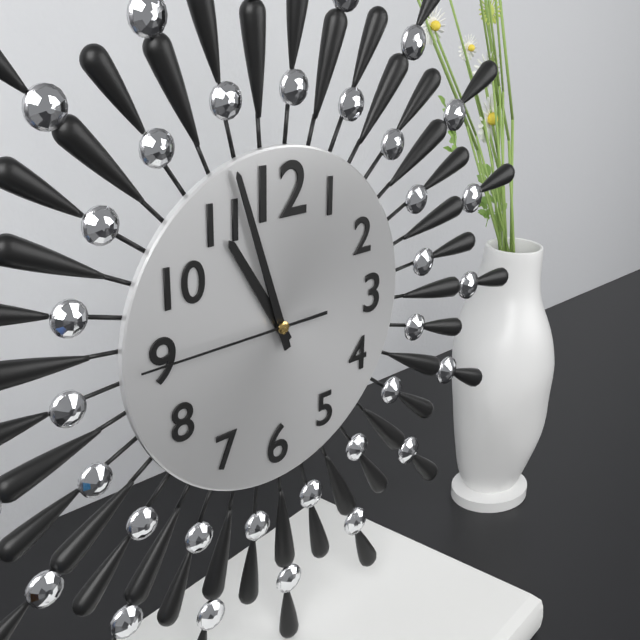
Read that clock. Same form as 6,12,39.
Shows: 10,57,45
